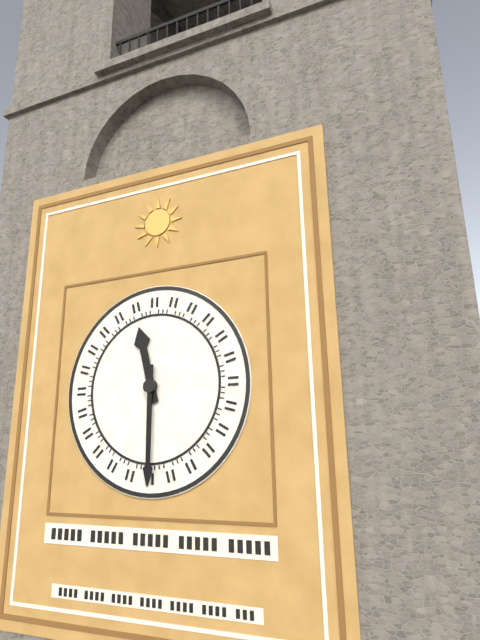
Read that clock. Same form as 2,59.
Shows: 11,30
